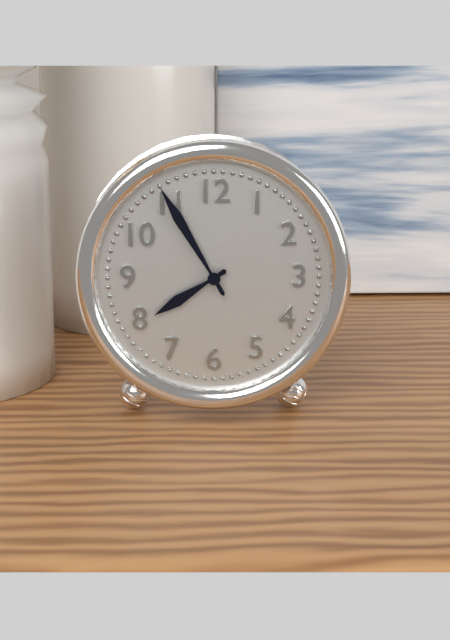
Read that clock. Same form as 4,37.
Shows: 7,55
